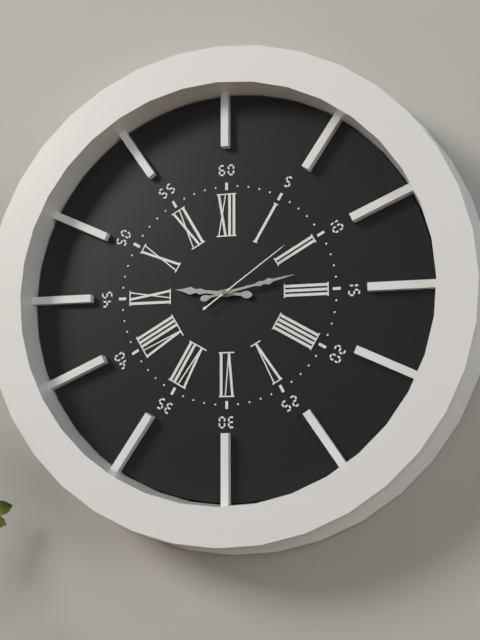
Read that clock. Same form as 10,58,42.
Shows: 9,13,09
